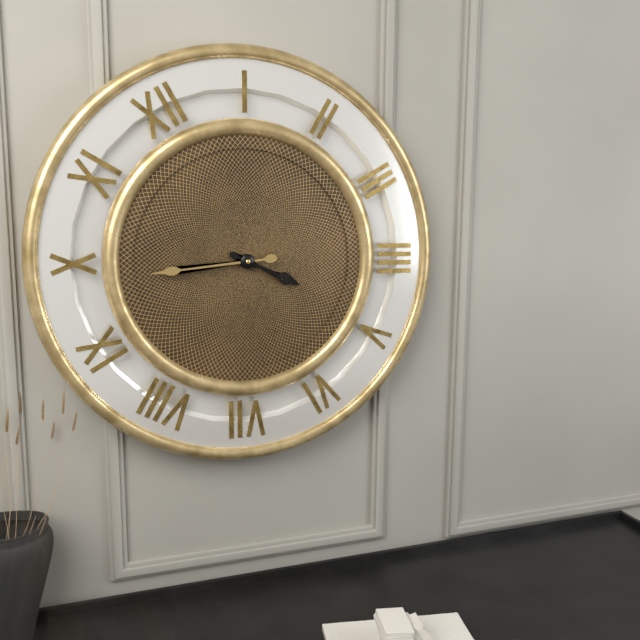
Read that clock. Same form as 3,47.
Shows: 4,49
